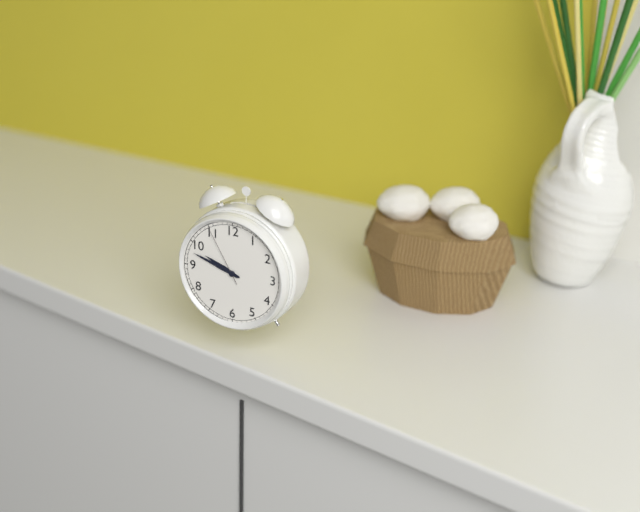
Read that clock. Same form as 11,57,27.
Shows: 9,48,55
